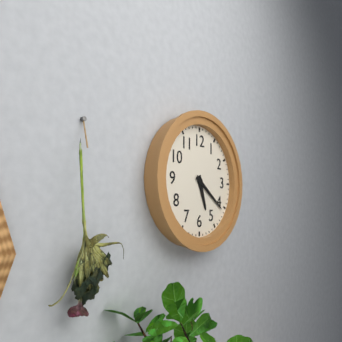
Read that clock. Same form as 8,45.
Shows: 5,21
